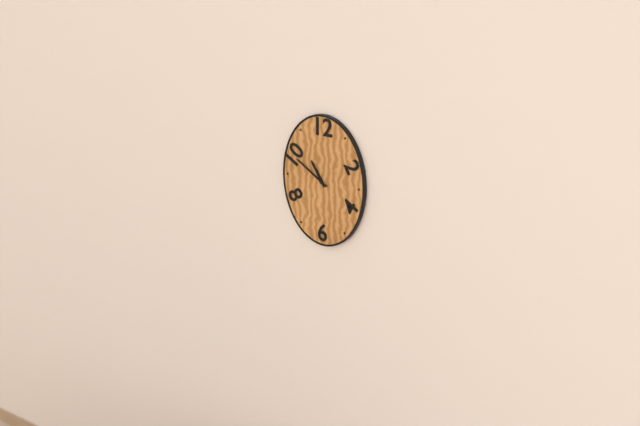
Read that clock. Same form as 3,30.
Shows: 10,50
